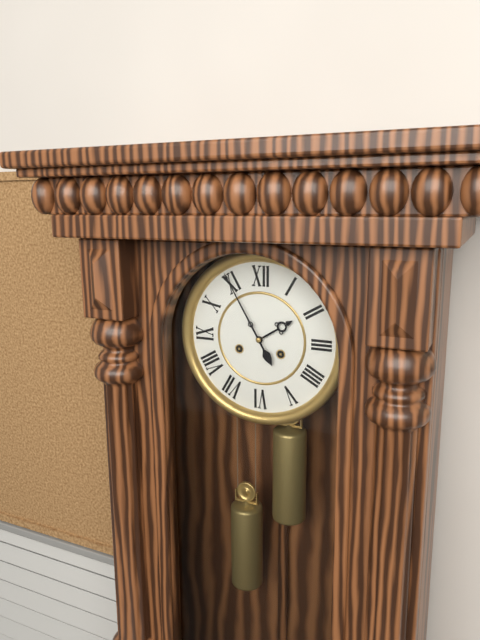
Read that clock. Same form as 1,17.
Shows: 1,55
